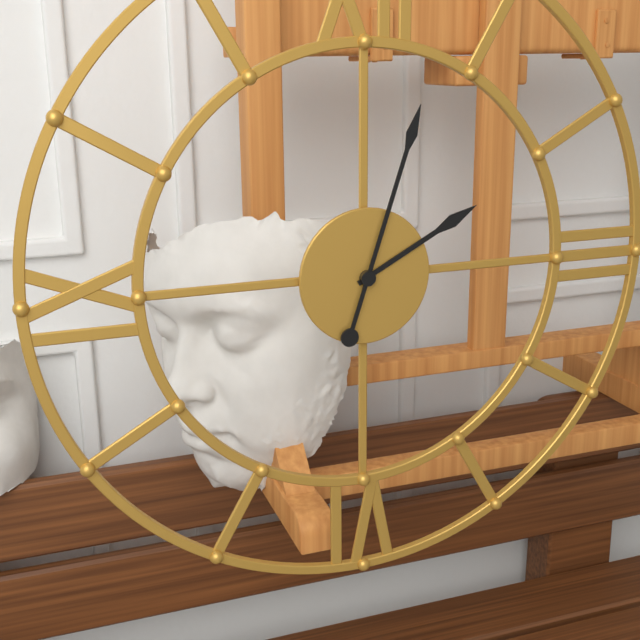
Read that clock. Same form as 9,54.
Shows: 2,03
